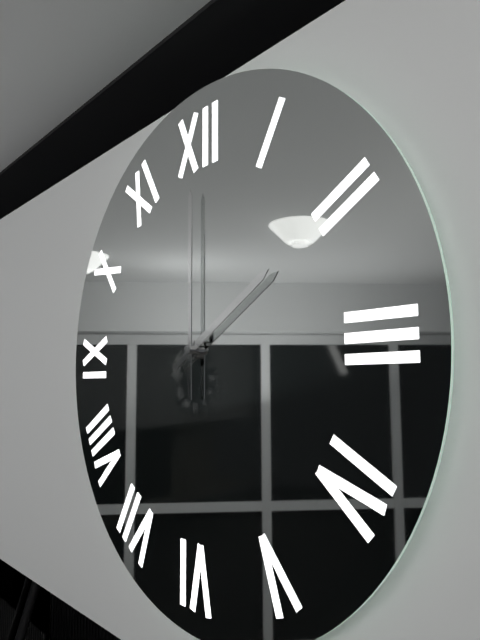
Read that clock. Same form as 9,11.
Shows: 2,00
